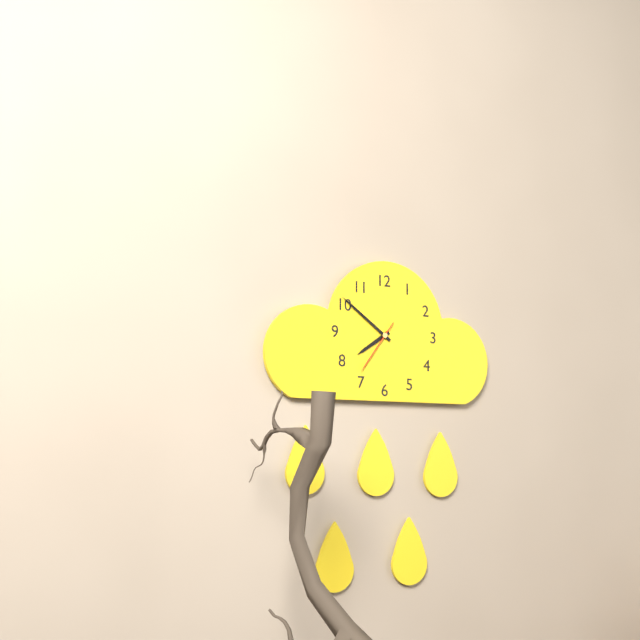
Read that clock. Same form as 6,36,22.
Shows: 7,51,36
